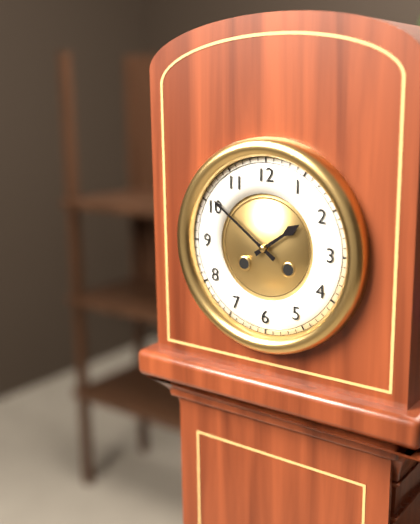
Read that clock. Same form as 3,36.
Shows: 1,51
